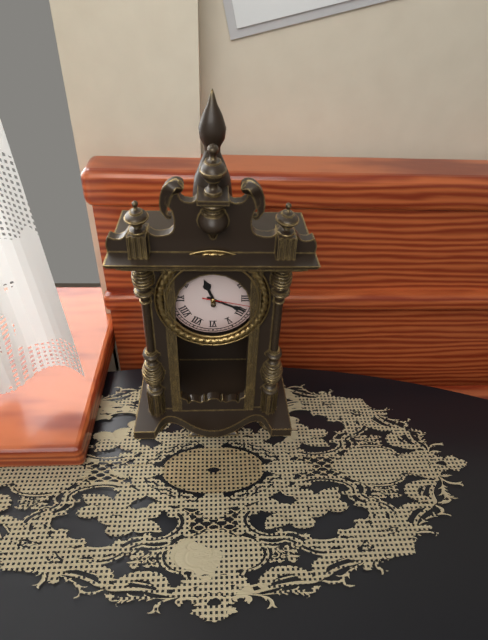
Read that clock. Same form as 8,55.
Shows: 11,19
